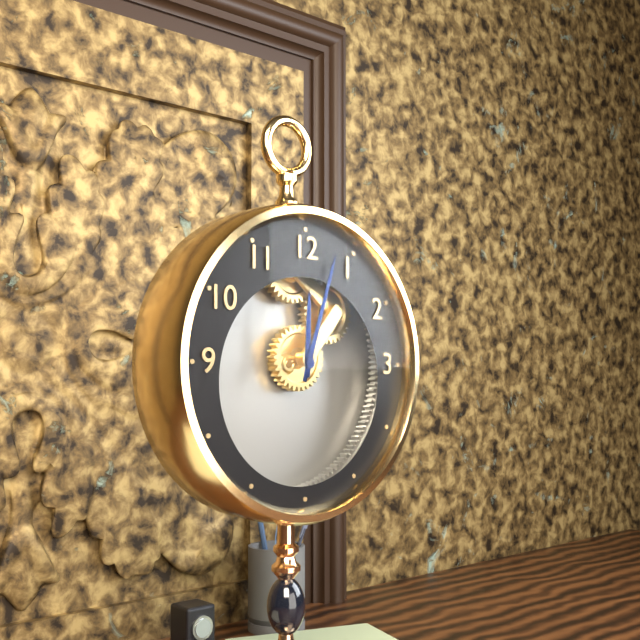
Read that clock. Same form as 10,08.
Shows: 12,03
